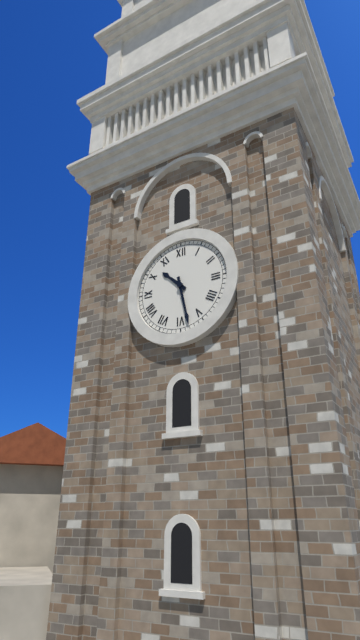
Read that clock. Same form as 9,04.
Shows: 10,28
